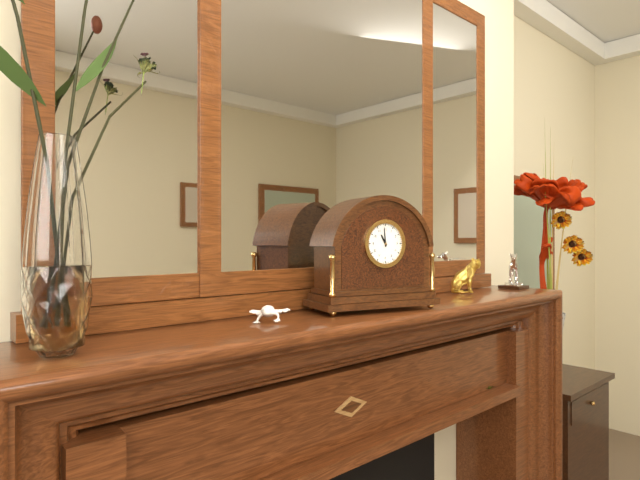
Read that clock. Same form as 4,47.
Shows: 10,59
